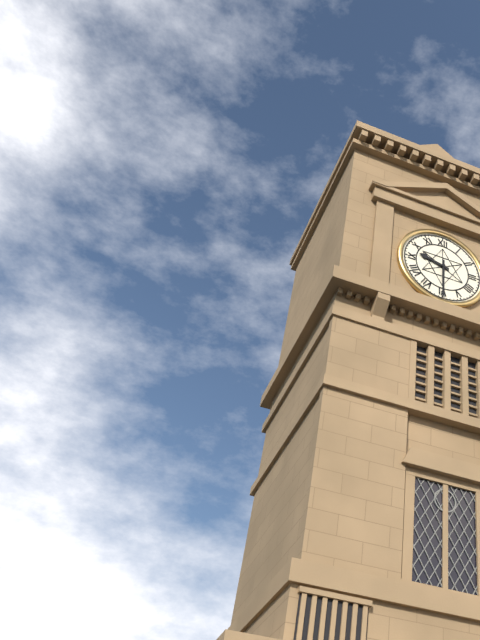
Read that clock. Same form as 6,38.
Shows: 9,30
